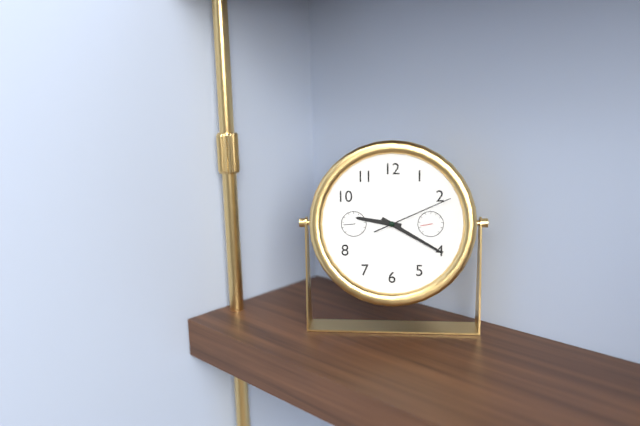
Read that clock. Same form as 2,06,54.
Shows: 9,20,11
